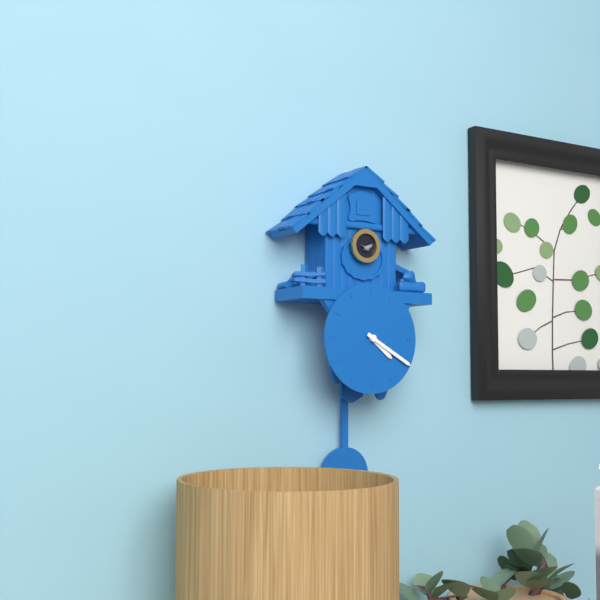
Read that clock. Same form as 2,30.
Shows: 4,20
